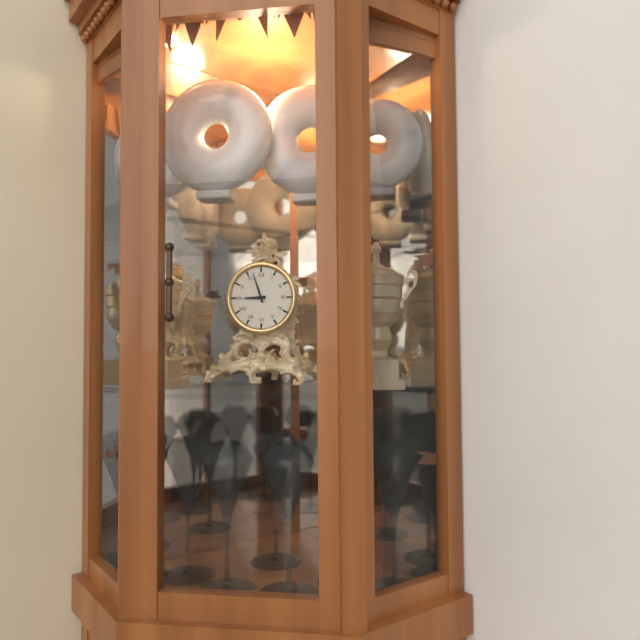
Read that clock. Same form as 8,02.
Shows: 8,57
